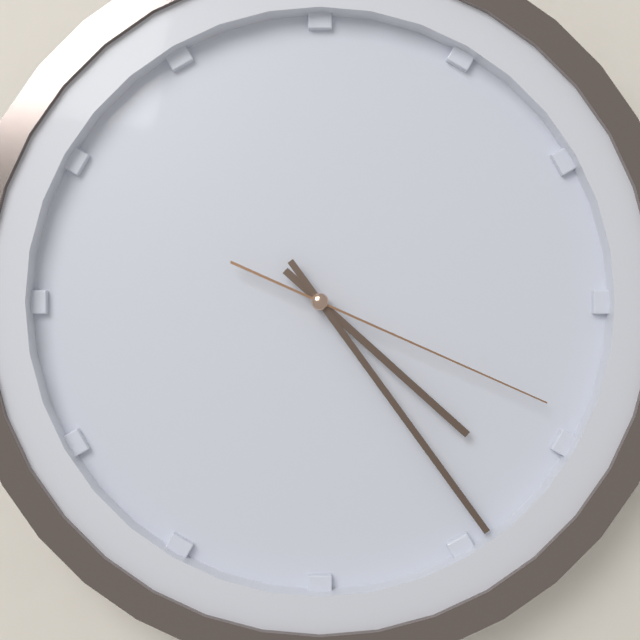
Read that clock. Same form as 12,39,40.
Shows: 4,24,19
